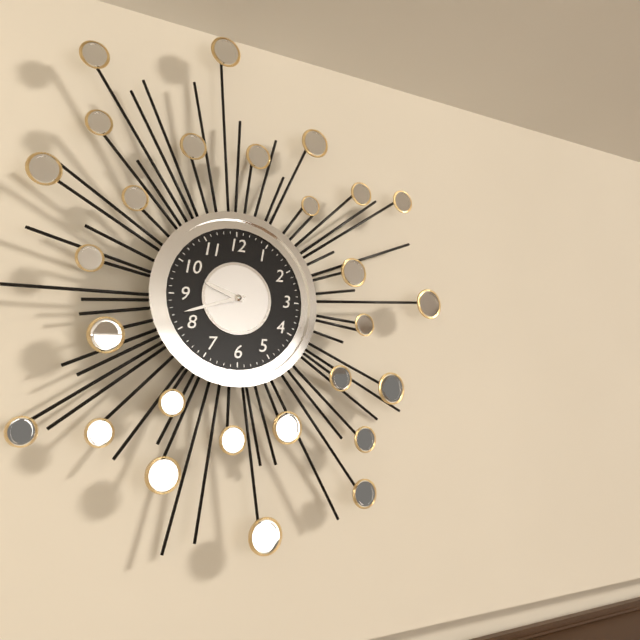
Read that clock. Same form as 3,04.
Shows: 9,42
